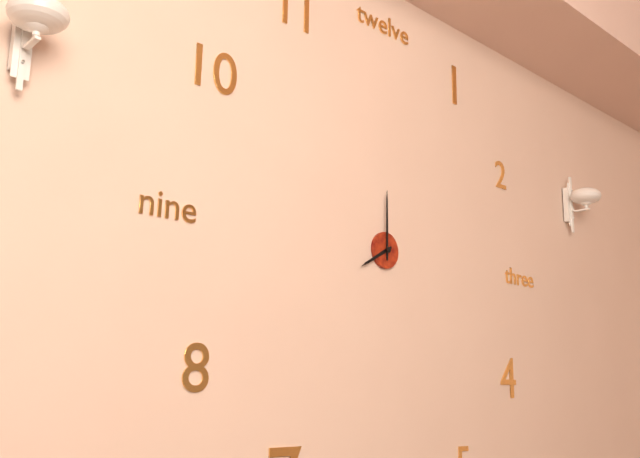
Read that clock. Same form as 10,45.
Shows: 8,00
